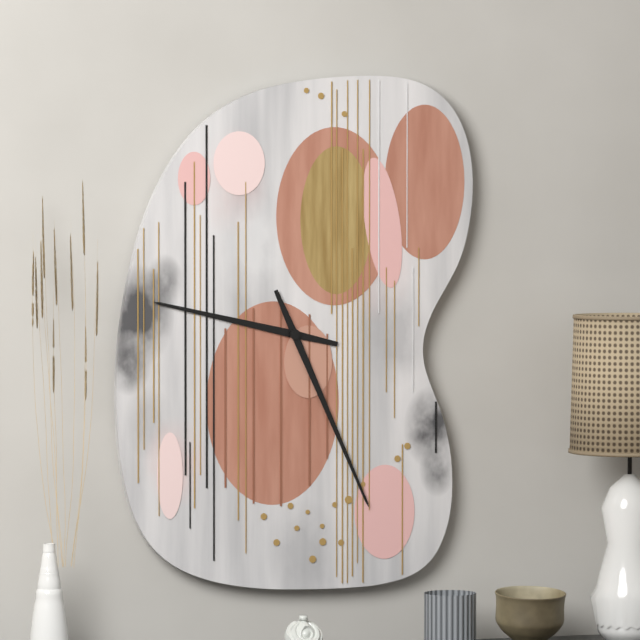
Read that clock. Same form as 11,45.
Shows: 9,26
